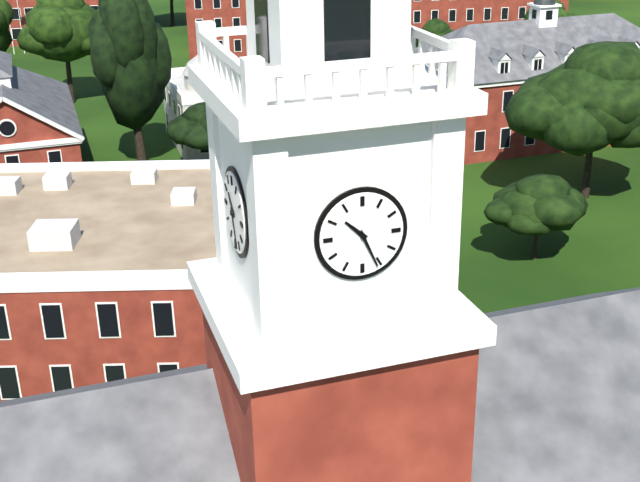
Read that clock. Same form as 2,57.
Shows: 10,26
